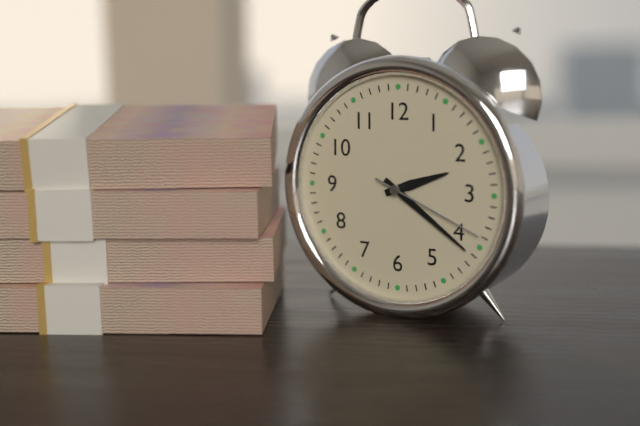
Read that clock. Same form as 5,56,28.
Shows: 2,21,19
